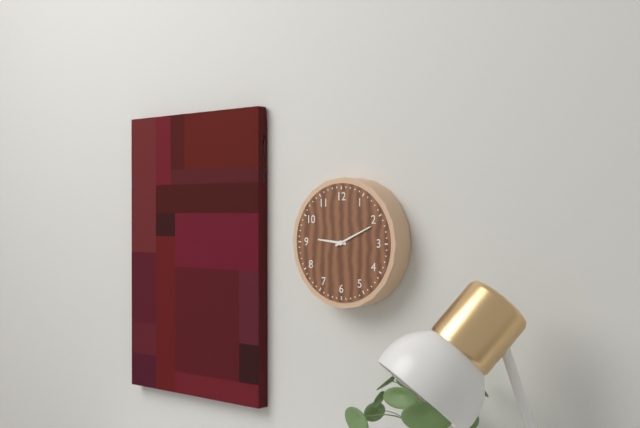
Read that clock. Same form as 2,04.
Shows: 9,11
